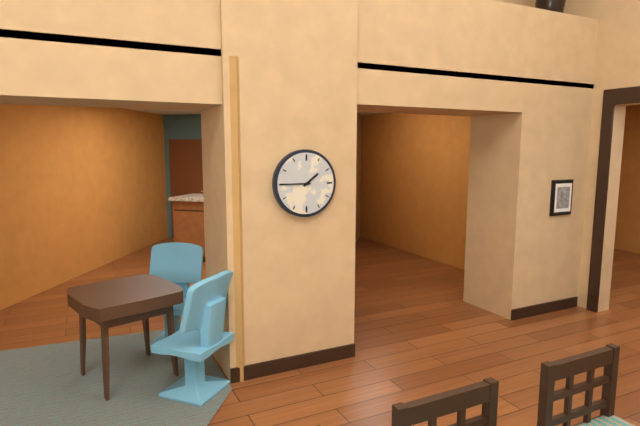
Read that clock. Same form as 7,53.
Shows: 1,45
